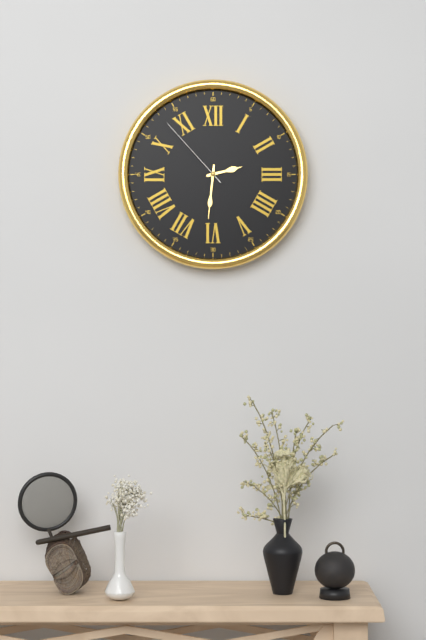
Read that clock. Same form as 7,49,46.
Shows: 2,31,53
